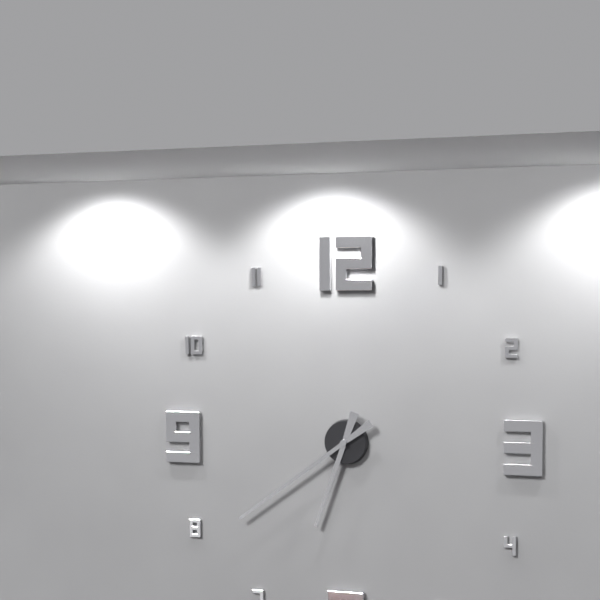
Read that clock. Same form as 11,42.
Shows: 6,39
